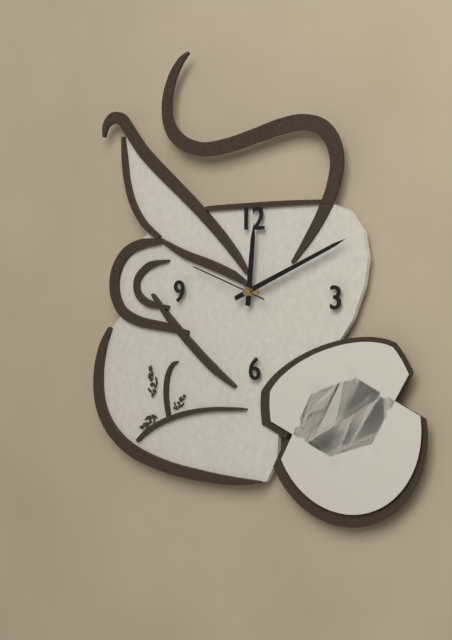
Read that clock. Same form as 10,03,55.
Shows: 12,11,48
